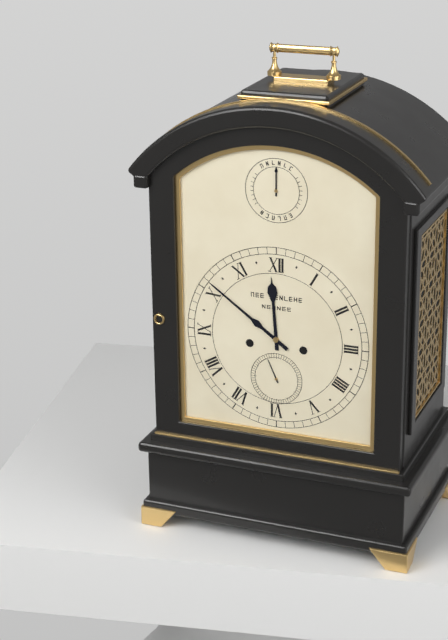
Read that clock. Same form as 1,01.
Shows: 11,51
